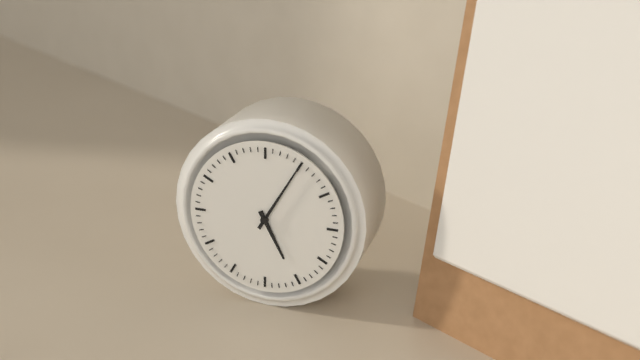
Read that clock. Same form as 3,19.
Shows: 5,05
